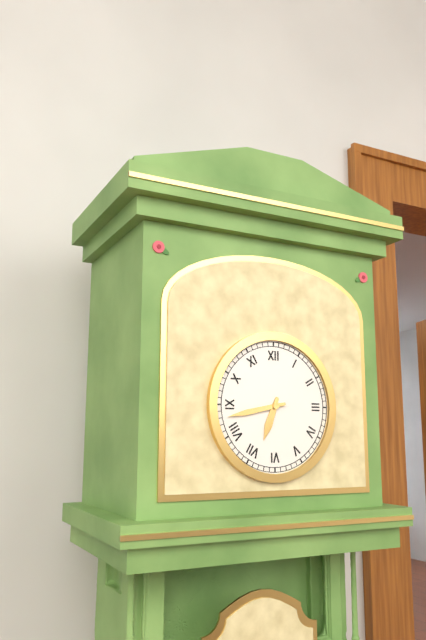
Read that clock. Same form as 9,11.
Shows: 6,43
